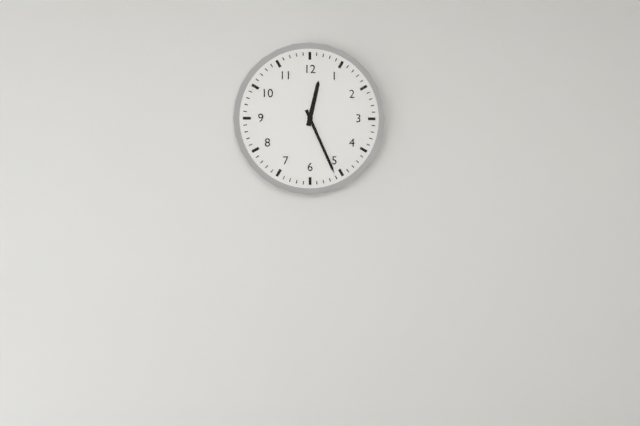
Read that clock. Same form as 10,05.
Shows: 12,26
